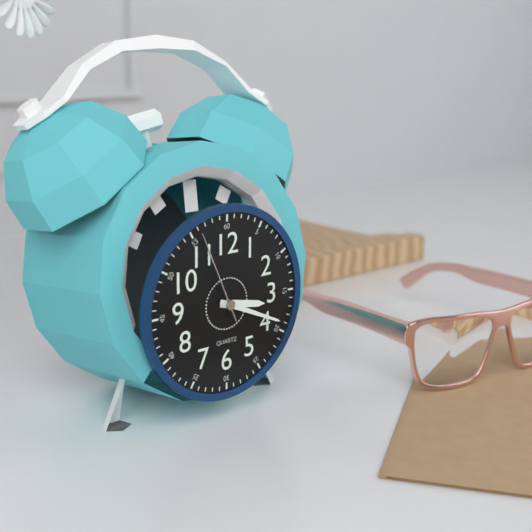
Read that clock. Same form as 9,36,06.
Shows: 3,19,56
